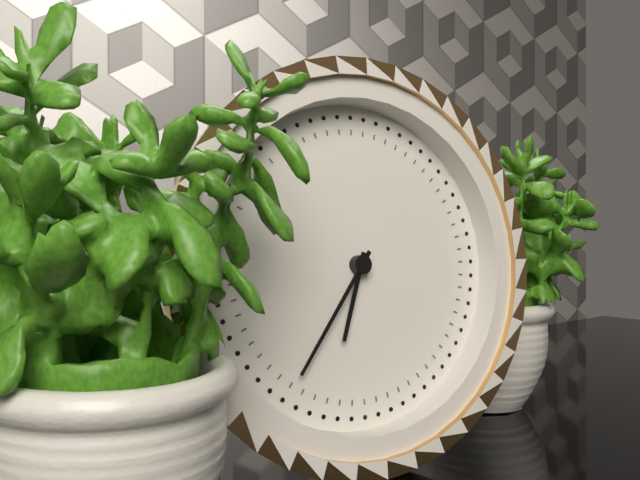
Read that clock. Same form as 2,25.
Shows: 6,36
